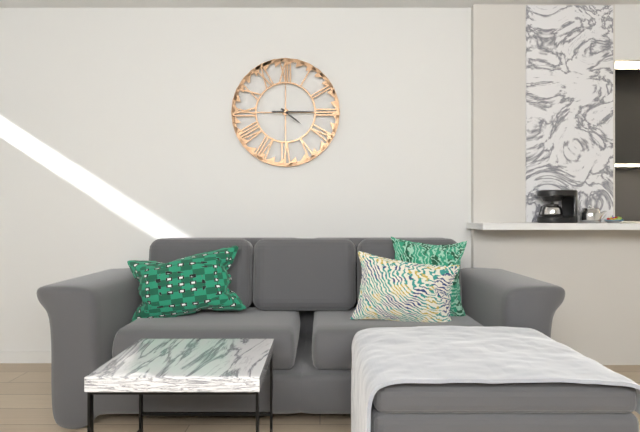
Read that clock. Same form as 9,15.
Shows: 4,15
